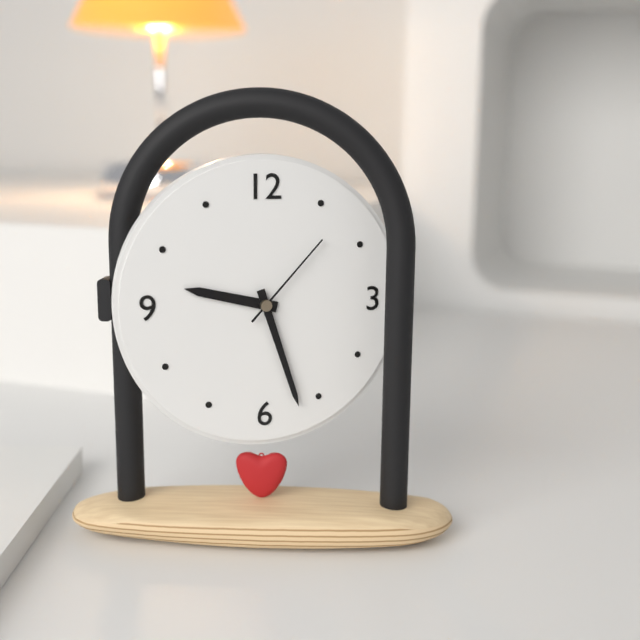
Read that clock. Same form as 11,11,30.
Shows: 9,27,07
